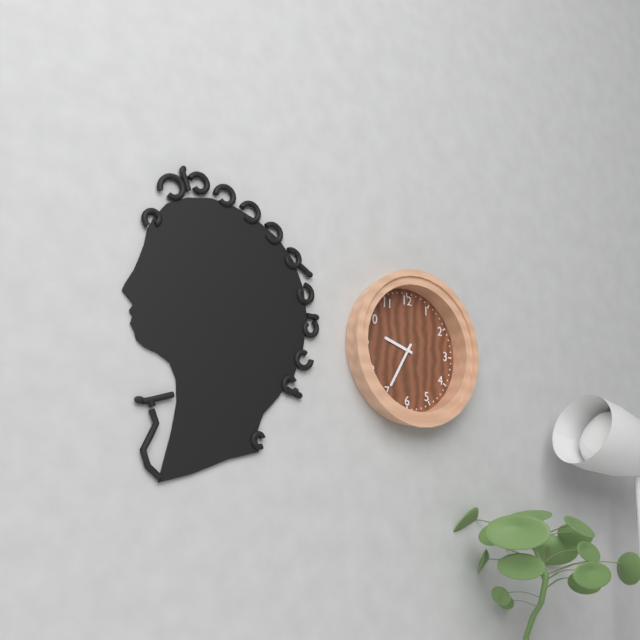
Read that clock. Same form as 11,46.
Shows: 9,35
